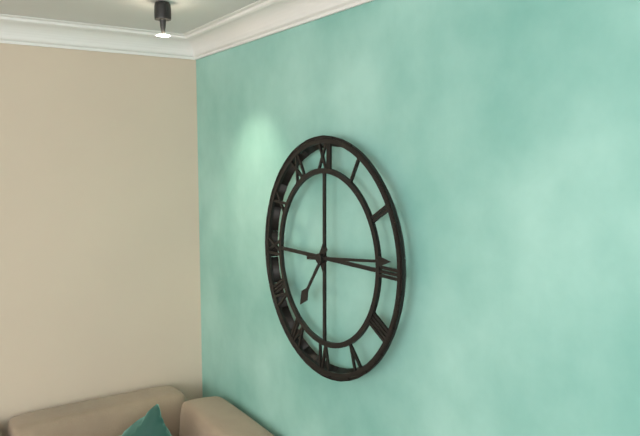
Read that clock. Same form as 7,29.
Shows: 7,14
